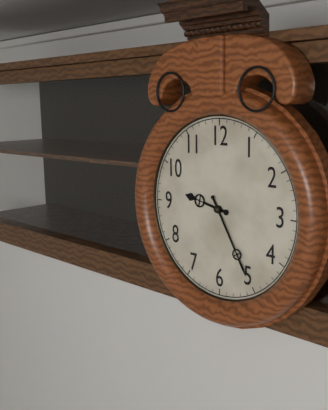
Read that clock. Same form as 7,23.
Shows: 9,25
